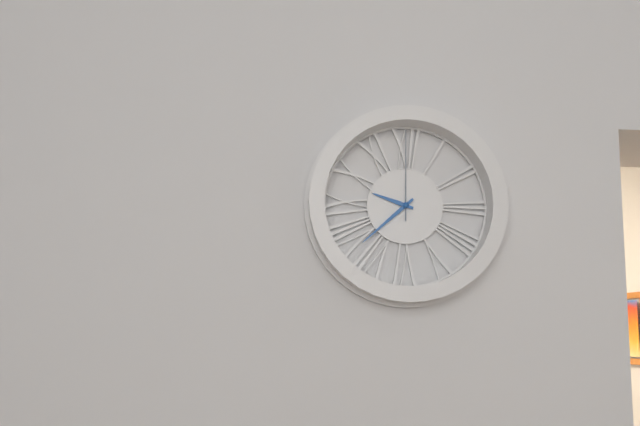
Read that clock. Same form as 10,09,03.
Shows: 9,38,00
